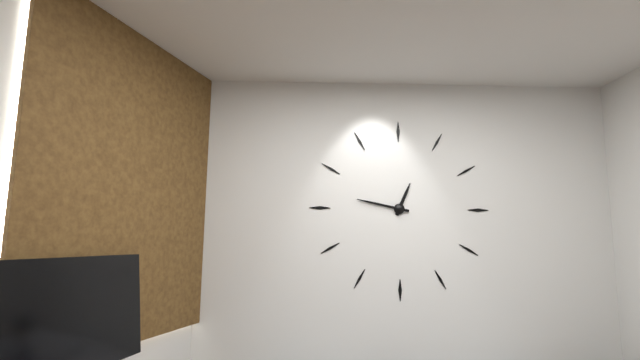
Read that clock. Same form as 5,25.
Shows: 12,47
